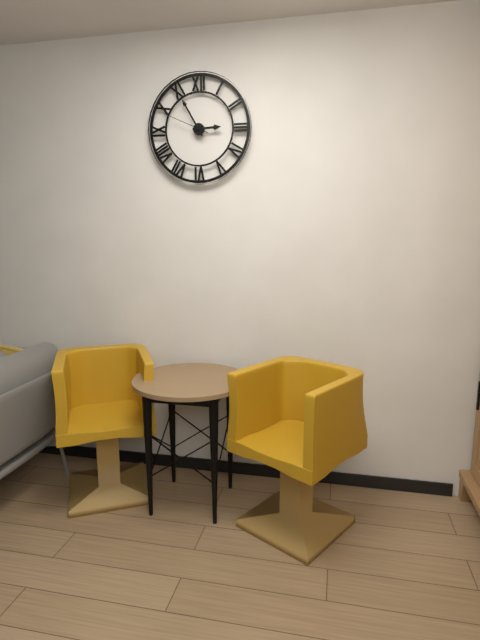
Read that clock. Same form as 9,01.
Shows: 2,55
